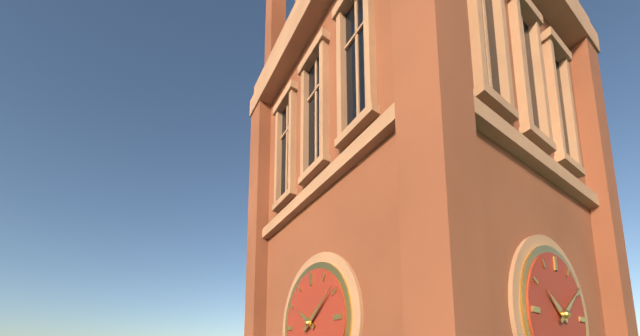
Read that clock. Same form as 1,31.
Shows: 10,09
